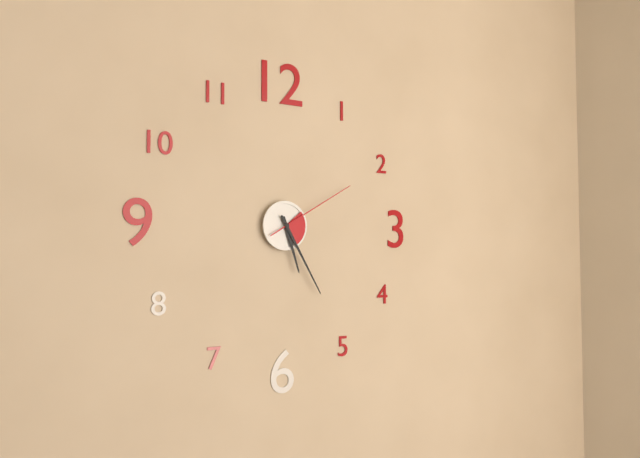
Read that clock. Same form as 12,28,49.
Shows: 5,25,10
